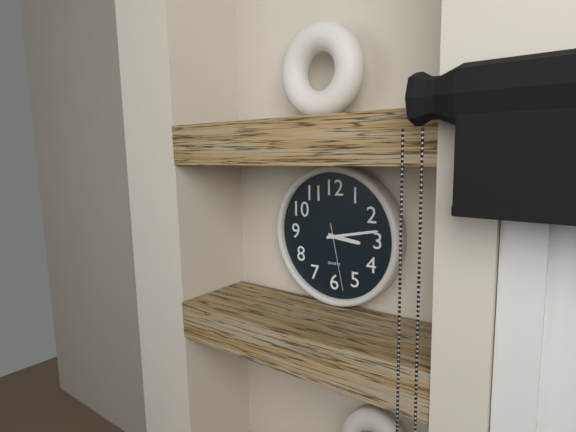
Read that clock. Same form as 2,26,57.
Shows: 3,13,28
